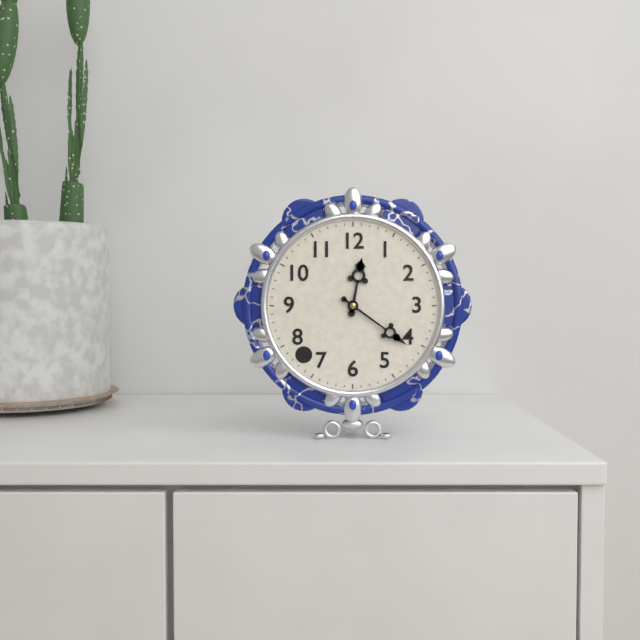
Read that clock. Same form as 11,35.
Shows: 12,21
